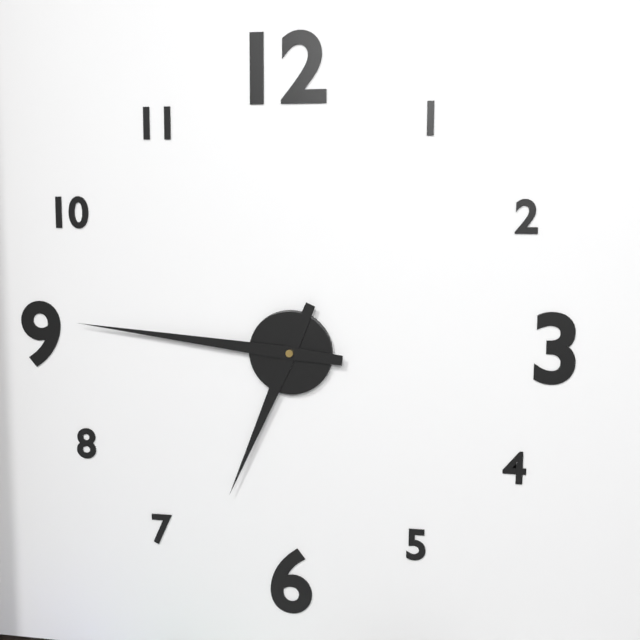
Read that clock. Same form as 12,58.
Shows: 6,46
